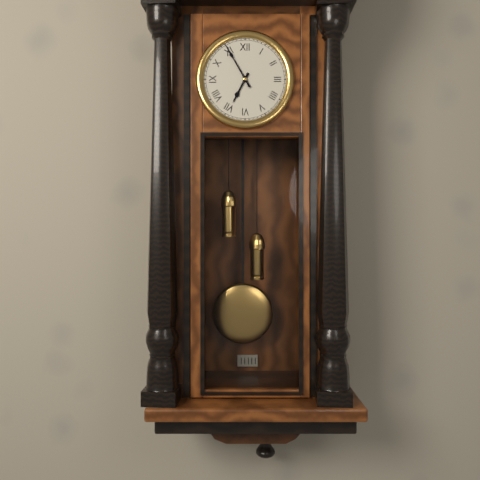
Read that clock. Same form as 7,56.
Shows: 6,55
